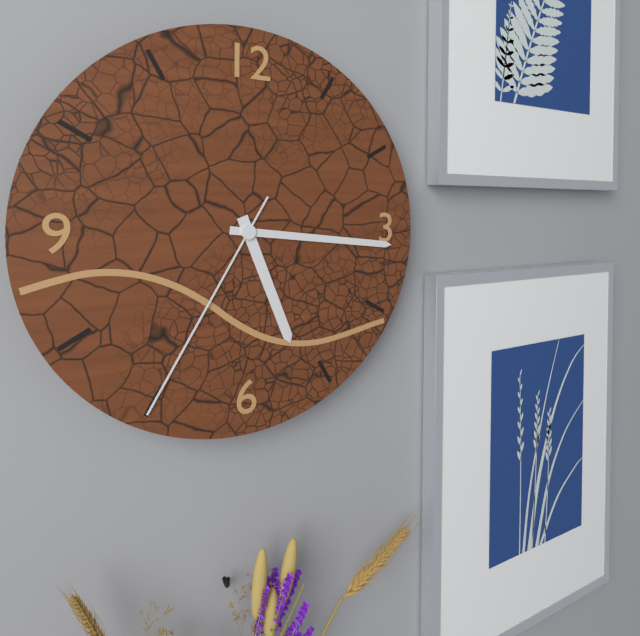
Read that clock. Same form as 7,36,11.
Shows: 5,16,35
